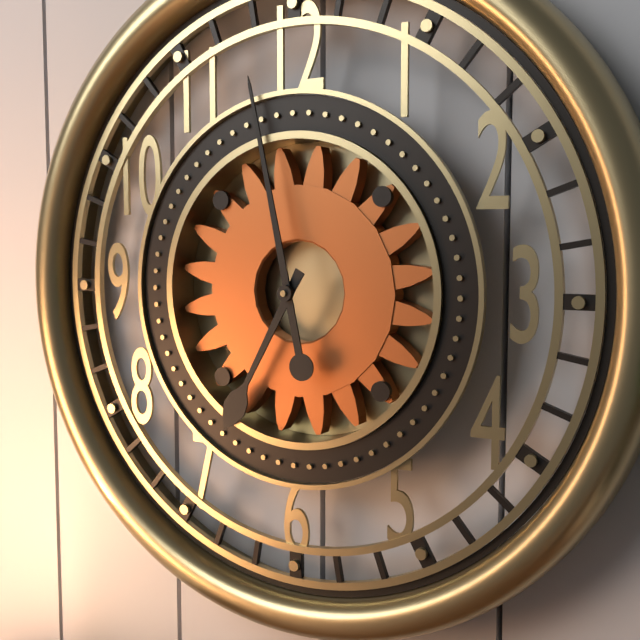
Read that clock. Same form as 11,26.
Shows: 6,58
